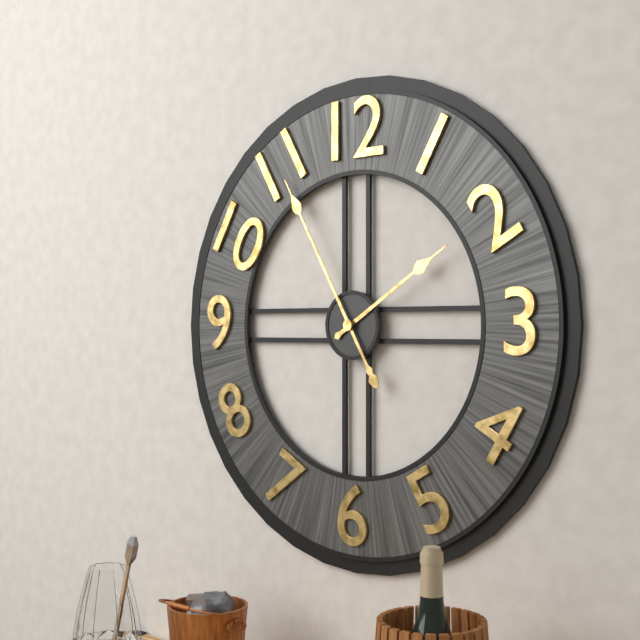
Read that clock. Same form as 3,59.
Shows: 1,55
